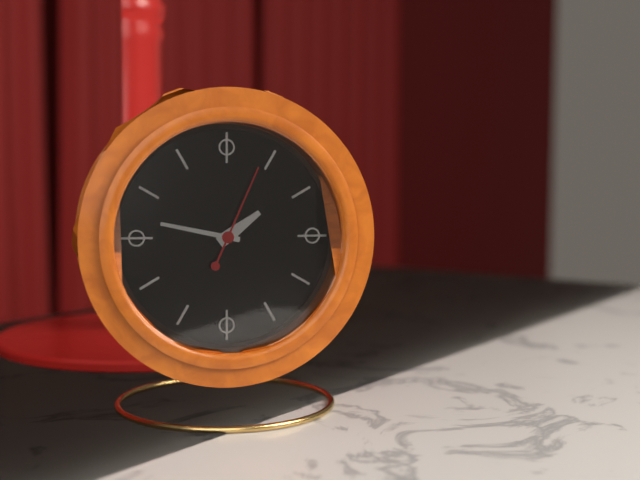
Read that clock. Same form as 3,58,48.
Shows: 1,47,04
